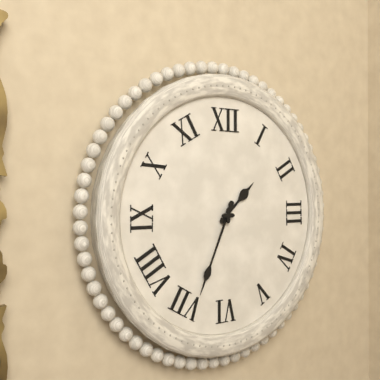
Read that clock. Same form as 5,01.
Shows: 1,34
